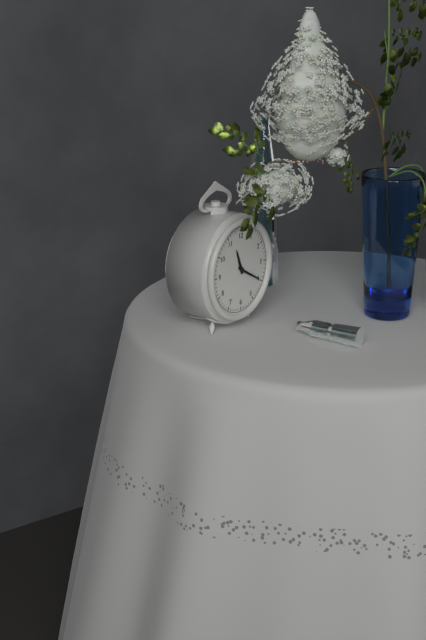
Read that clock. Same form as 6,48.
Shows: 11,20
